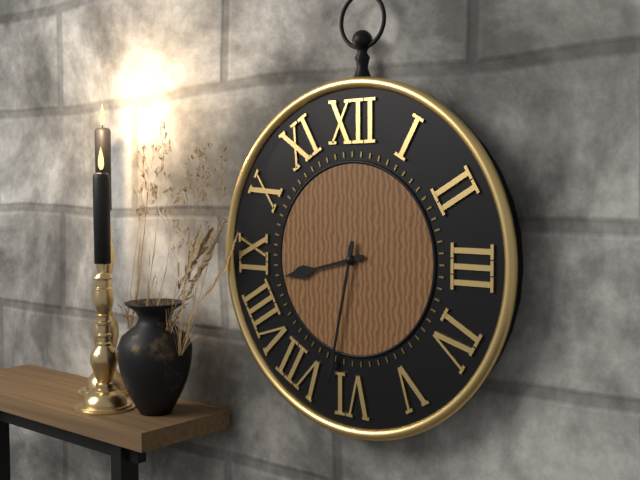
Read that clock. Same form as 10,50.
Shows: 8,32
